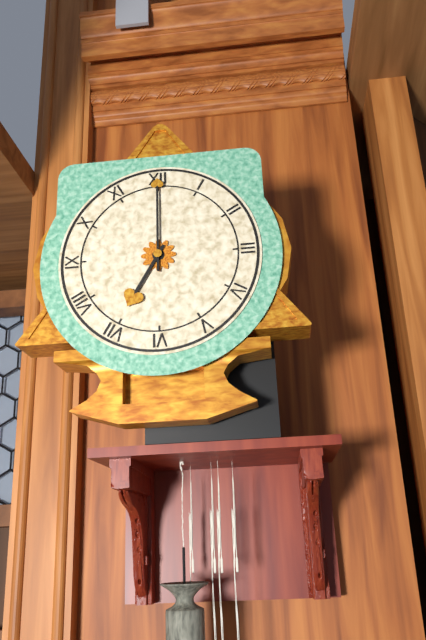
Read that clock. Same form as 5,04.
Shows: 7,00
